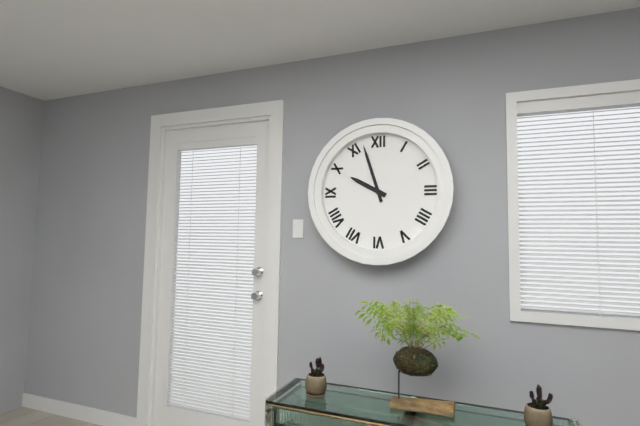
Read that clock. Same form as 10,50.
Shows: 9,57
